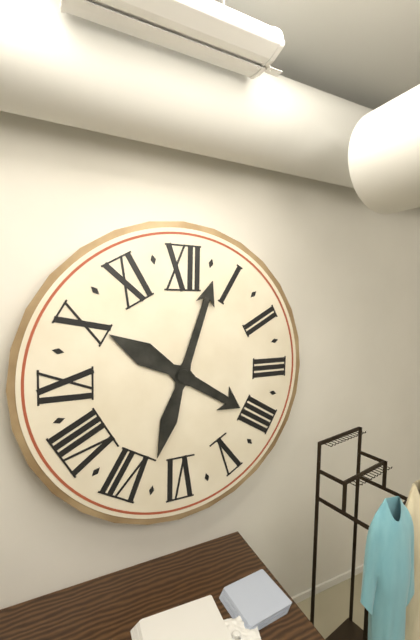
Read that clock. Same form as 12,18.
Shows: 4,03
